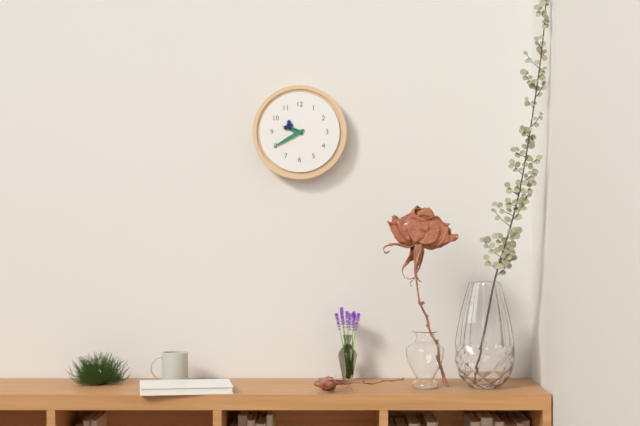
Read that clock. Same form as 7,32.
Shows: 9,40
